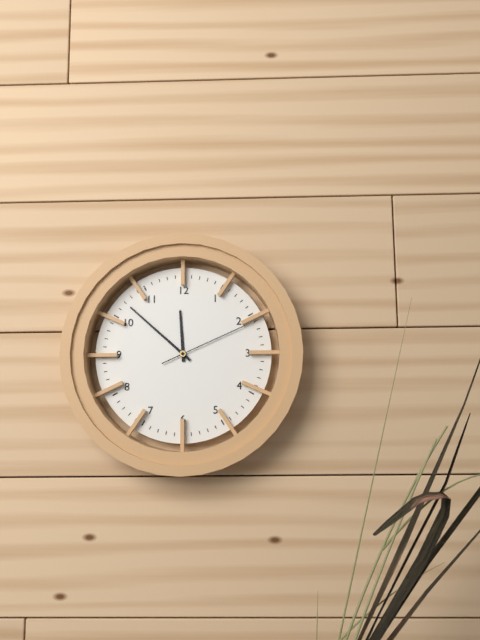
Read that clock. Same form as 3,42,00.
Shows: 11,52,11
